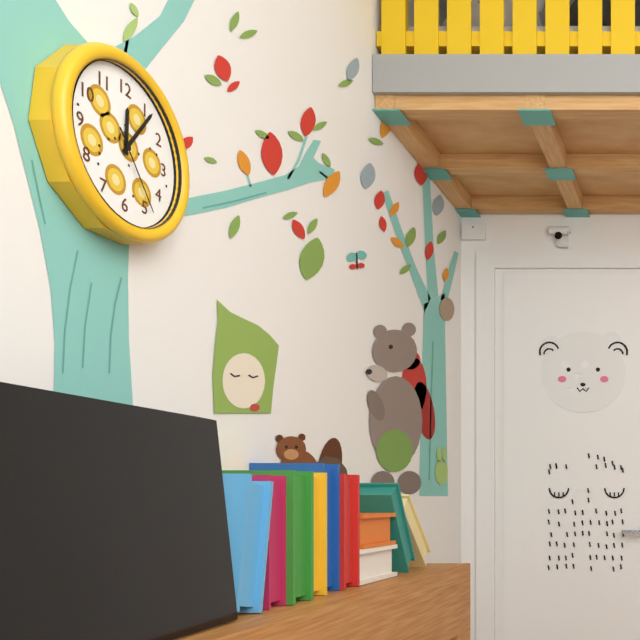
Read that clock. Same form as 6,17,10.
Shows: 12,06,24
